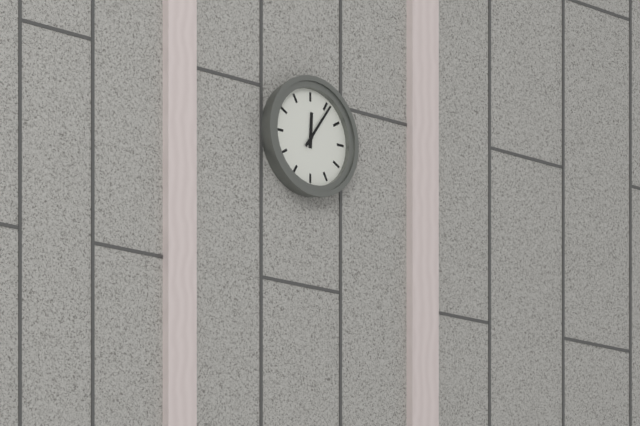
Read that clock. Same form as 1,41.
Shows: 12,06
